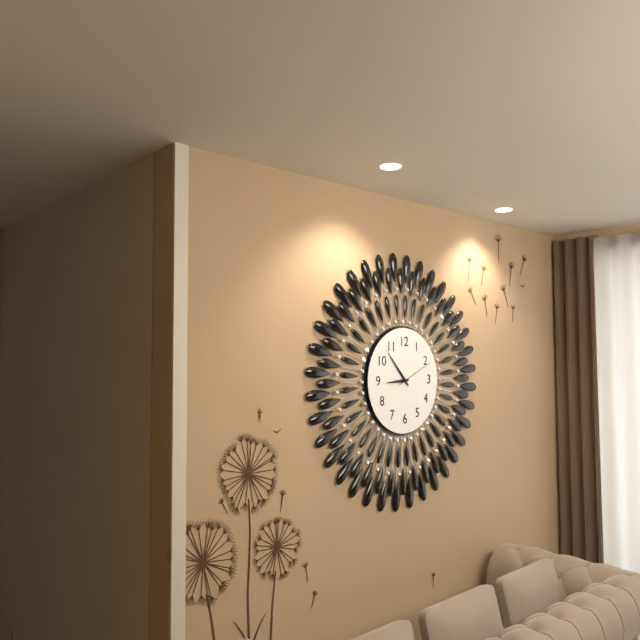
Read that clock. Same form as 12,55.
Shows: 8,53
